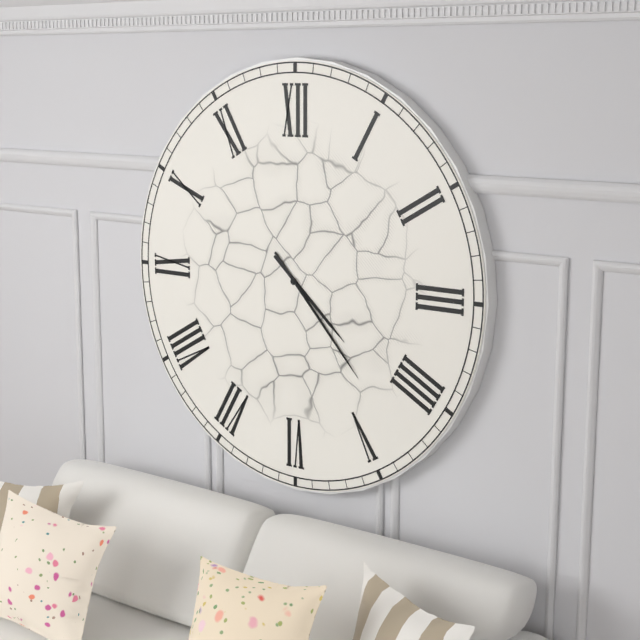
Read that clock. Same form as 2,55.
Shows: 4,23
